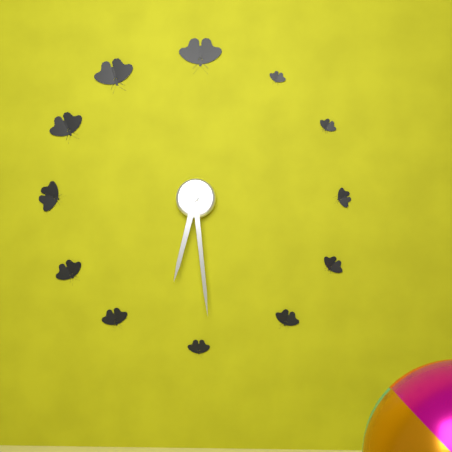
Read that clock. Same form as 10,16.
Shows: 6,29
